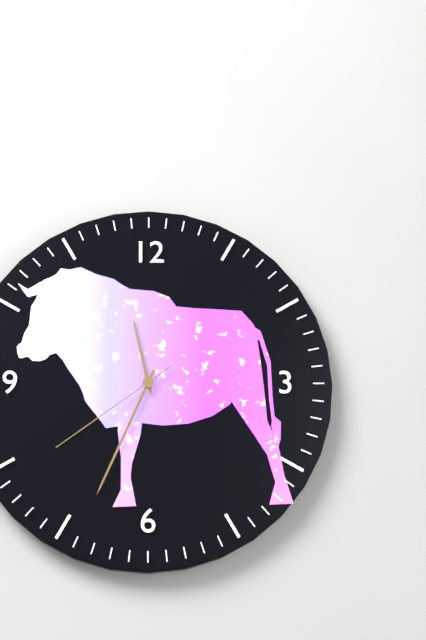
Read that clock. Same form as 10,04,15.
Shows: 11,34,39
